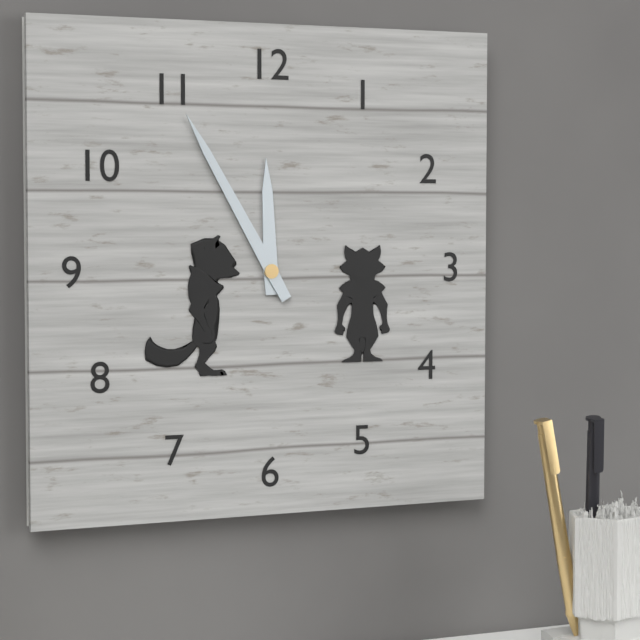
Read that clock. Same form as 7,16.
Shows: 11,55
